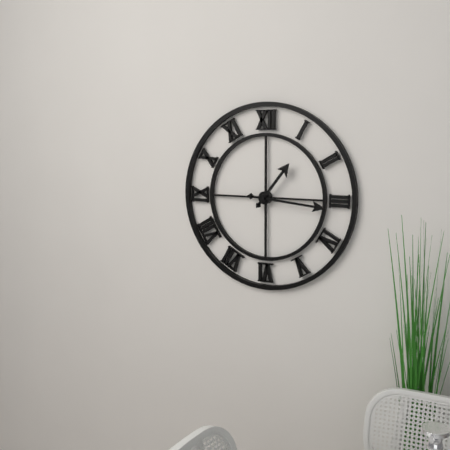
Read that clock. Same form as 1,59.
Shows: 1,16
